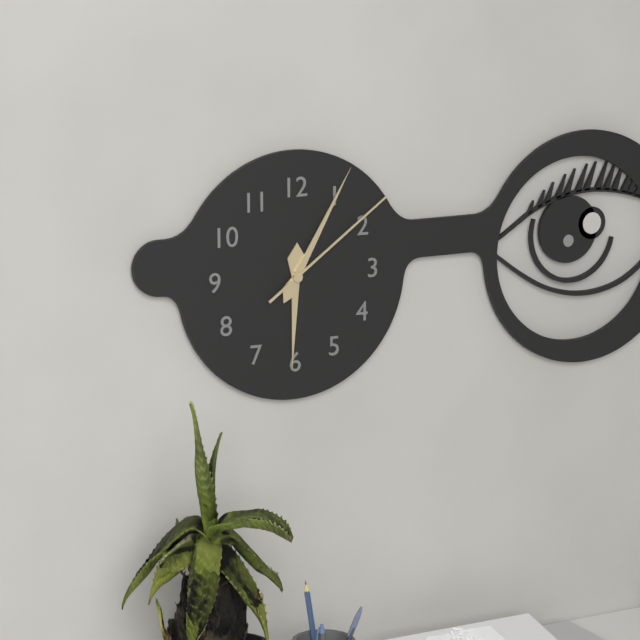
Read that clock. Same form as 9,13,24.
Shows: 6,05,09
